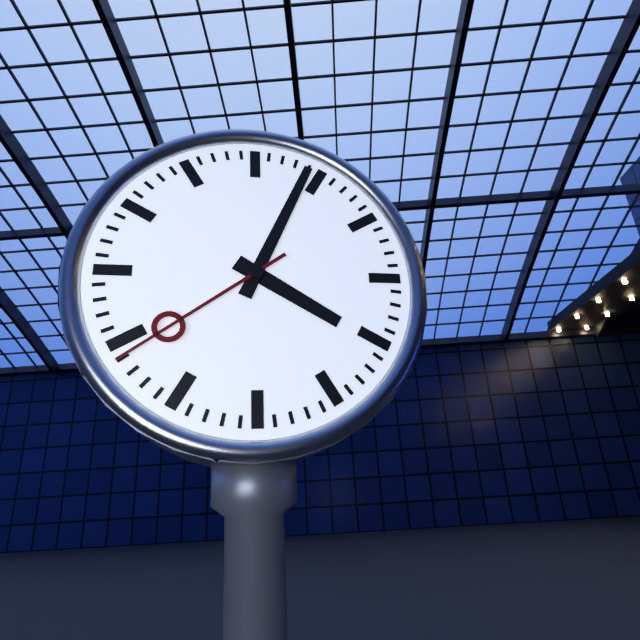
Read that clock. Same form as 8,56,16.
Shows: 4,04,39
